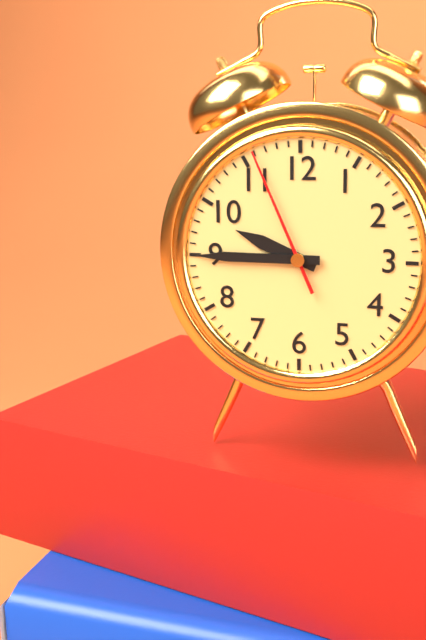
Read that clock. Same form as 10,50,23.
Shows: 9,45,56
